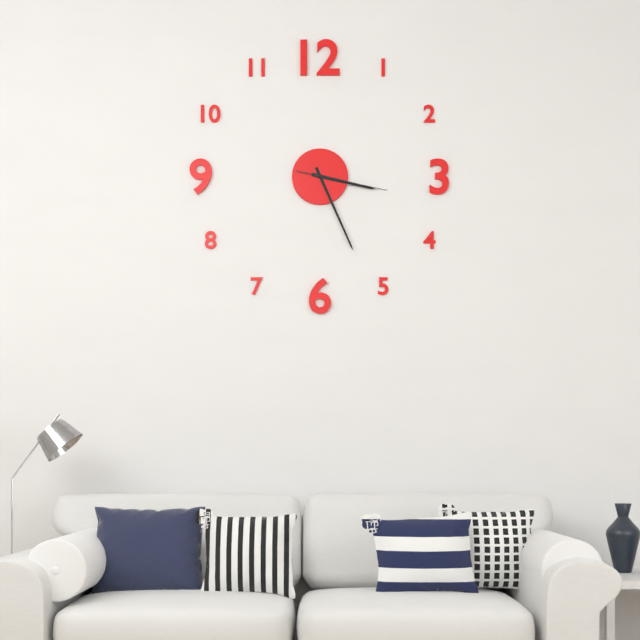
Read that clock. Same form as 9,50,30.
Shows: 3,26,17
